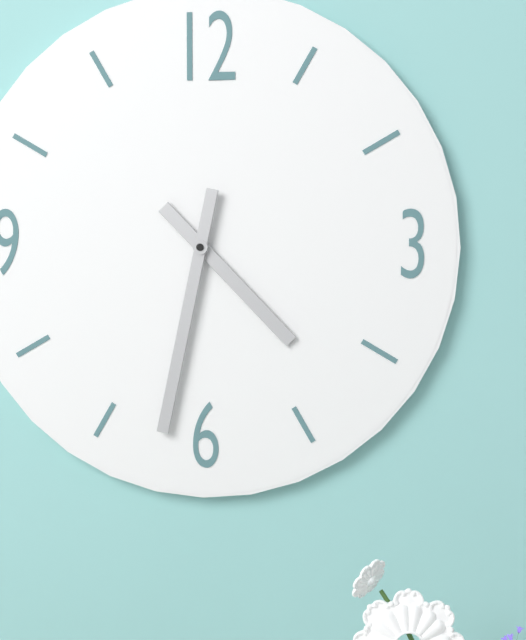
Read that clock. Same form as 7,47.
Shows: 4,32
